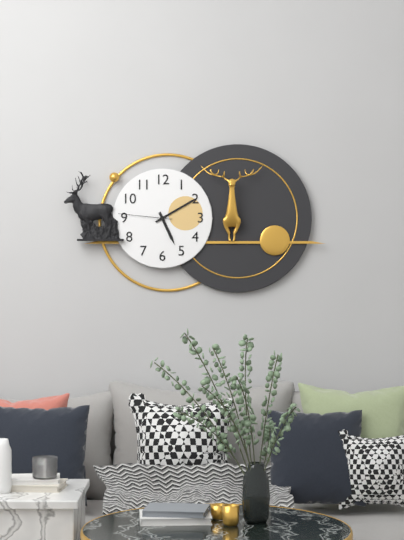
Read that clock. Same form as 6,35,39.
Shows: 5,10,46
